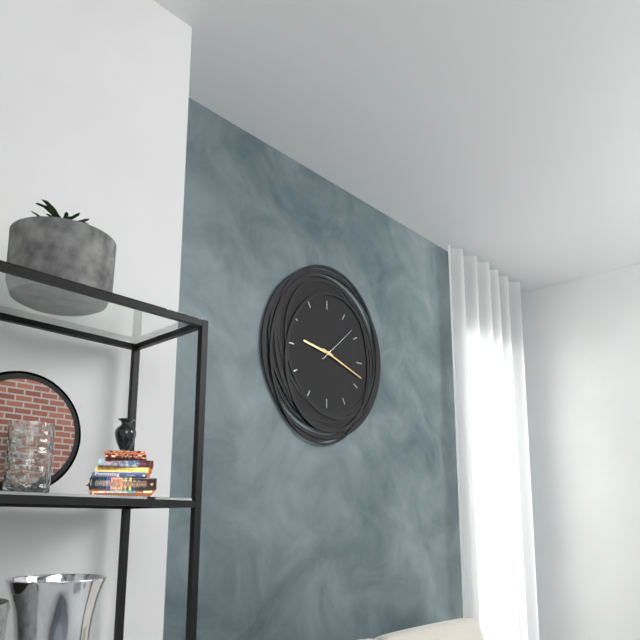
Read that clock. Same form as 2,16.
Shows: 9,18
